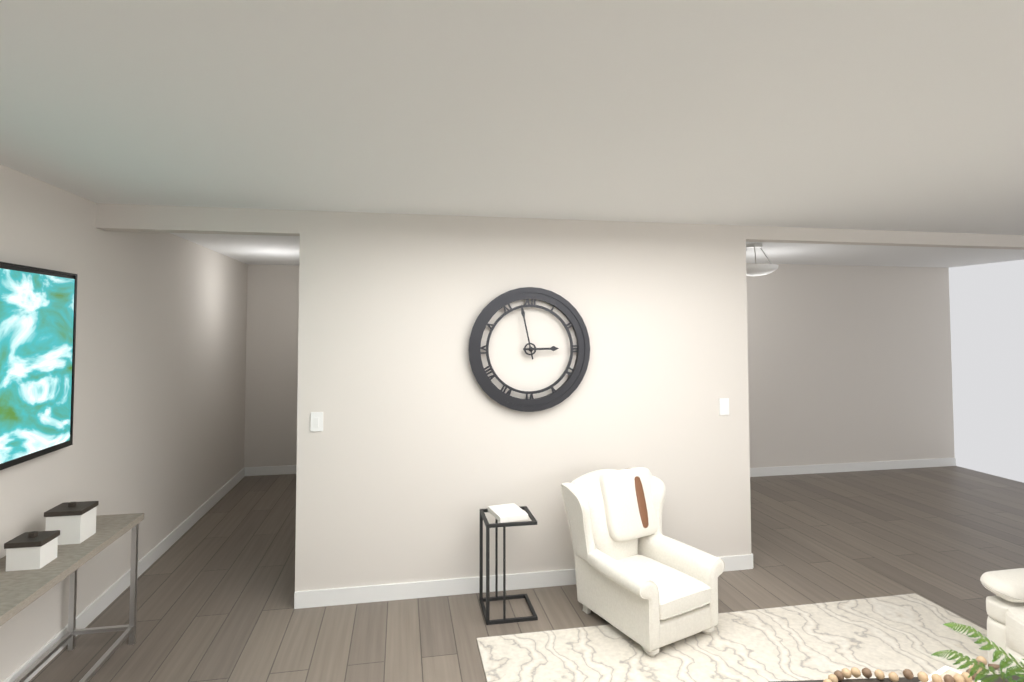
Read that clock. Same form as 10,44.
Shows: 2,58
